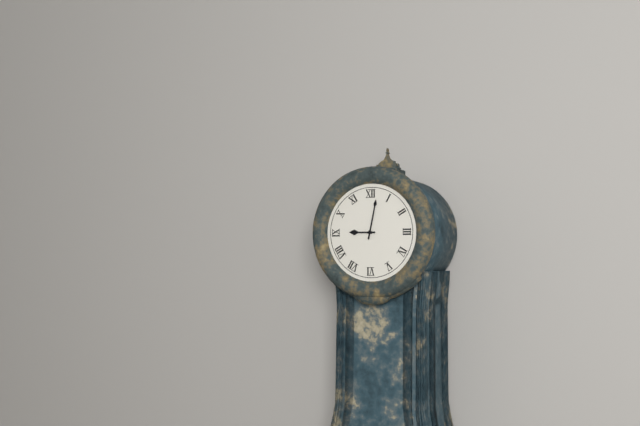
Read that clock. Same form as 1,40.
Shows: 9,02
